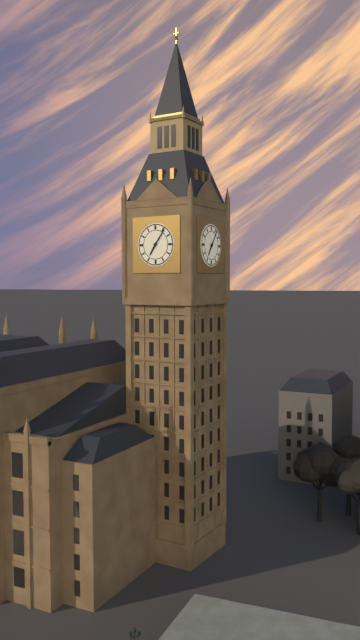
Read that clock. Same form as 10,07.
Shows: 7,06
